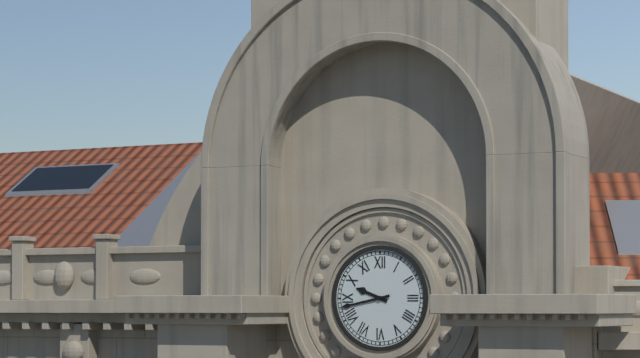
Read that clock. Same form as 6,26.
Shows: 9,43
